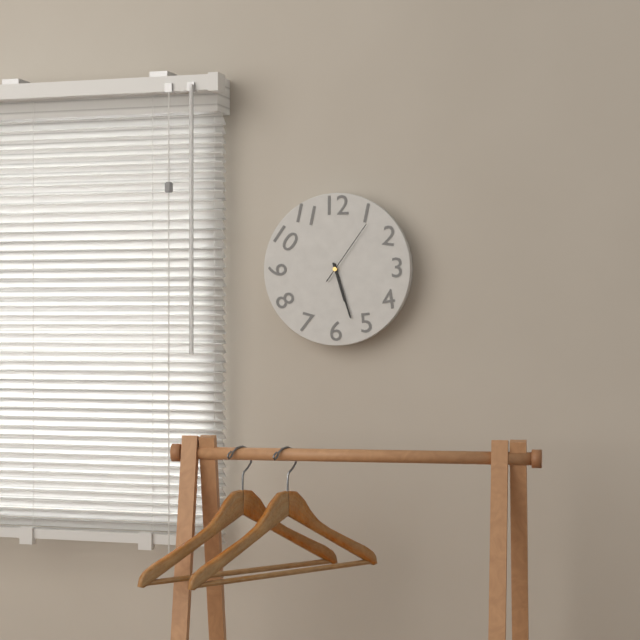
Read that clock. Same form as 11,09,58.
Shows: 5,27,06
